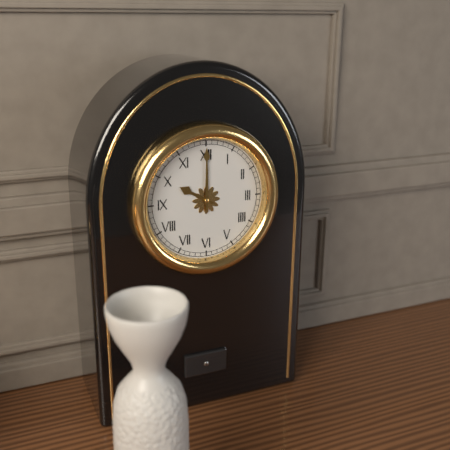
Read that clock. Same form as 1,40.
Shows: 10,00
